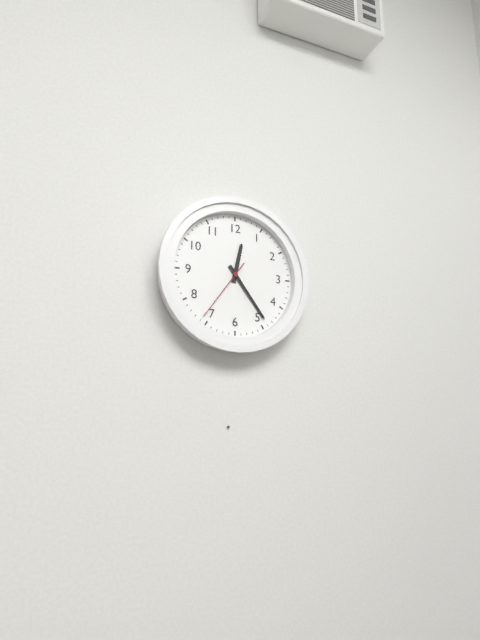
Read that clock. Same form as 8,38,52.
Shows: 12,24,36
